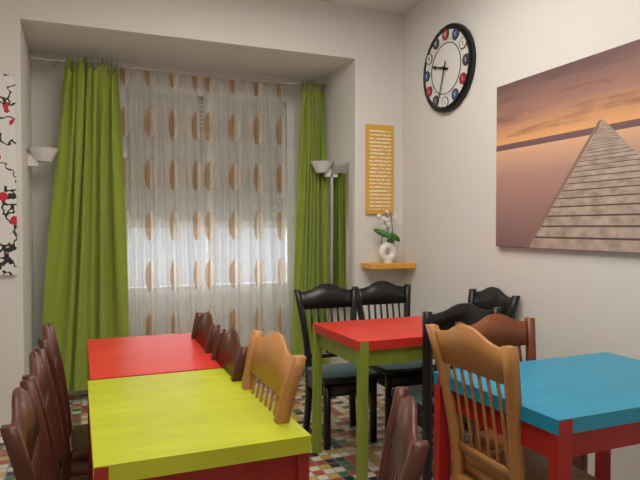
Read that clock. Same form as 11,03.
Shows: 9,33
